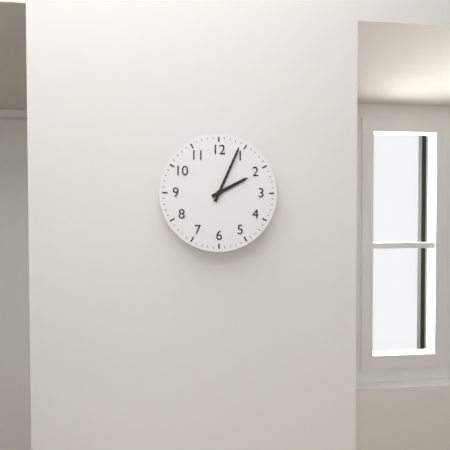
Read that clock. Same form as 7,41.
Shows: 2,04
